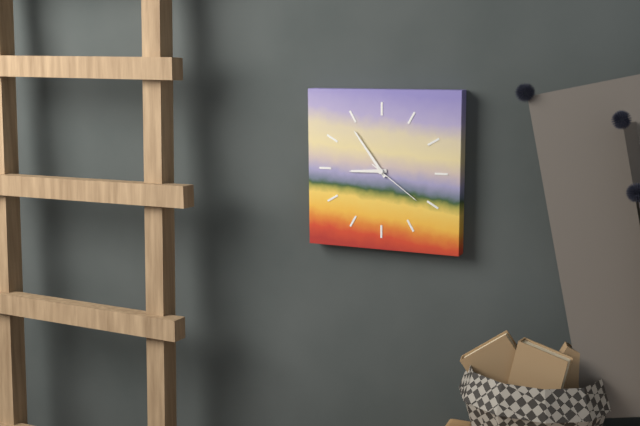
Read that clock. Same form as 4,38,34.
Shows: 8,54,21
